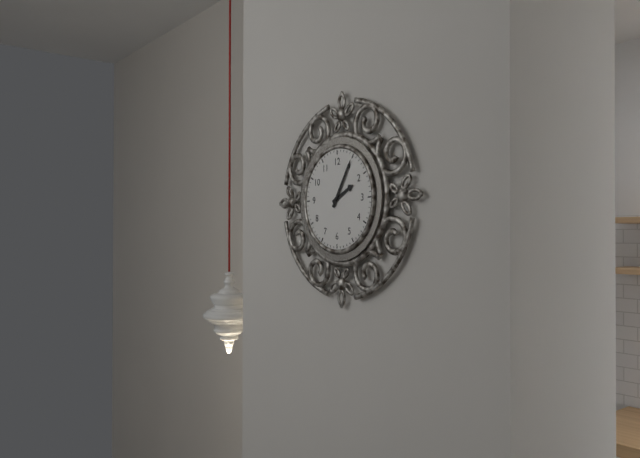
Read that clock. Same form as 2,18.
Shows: 2,05
